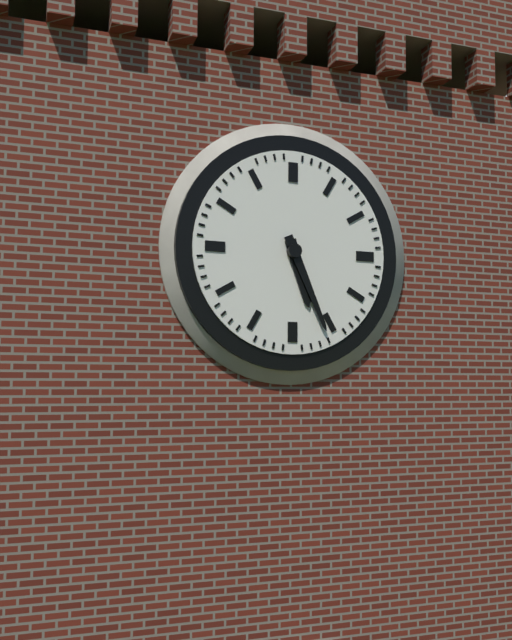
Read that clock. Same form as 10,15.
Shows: 5,26
